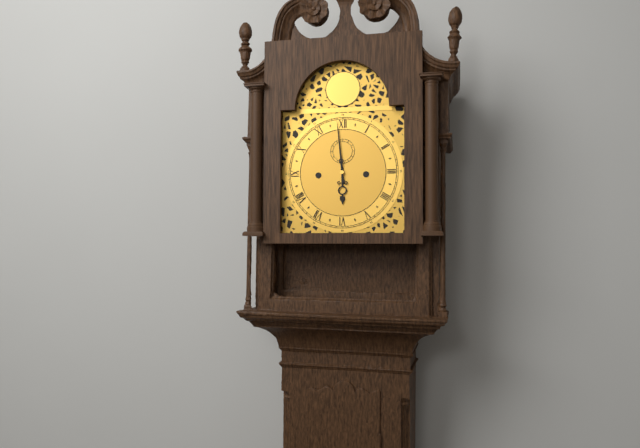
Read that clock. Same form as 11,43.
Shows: 5,59
